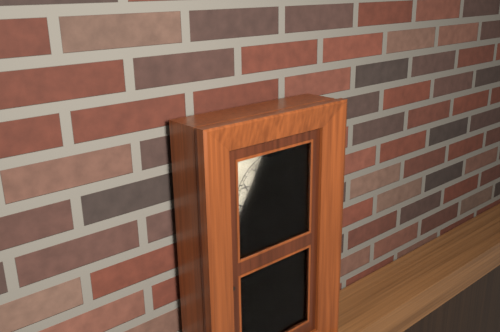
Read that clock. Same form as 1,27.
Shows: 6,09
